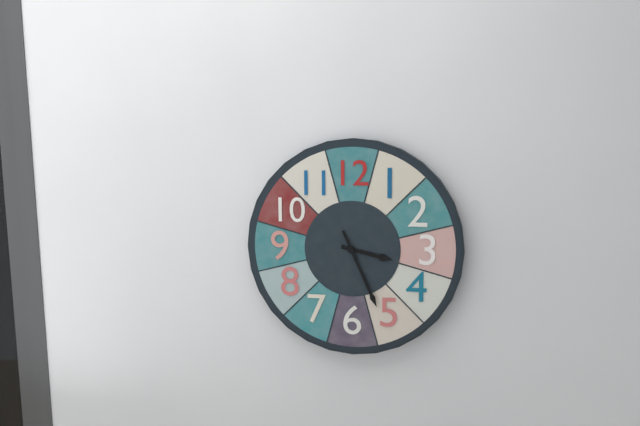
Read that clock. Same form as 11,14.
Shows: 3,26
